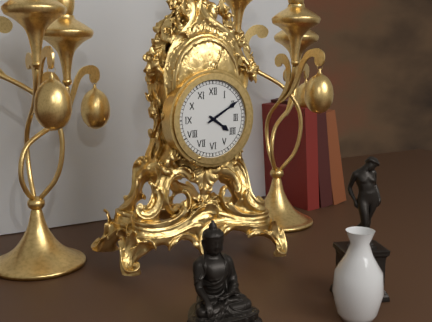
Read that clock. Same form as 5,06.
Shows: 4,10
